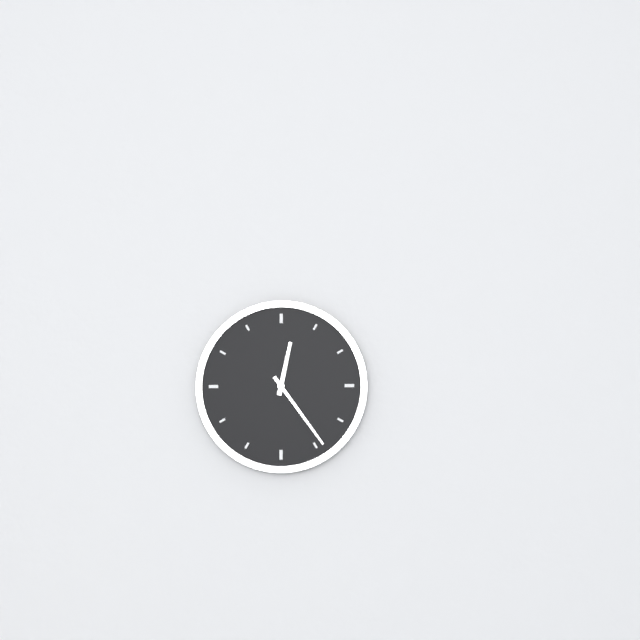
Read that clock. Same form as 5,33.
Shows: 12,24
